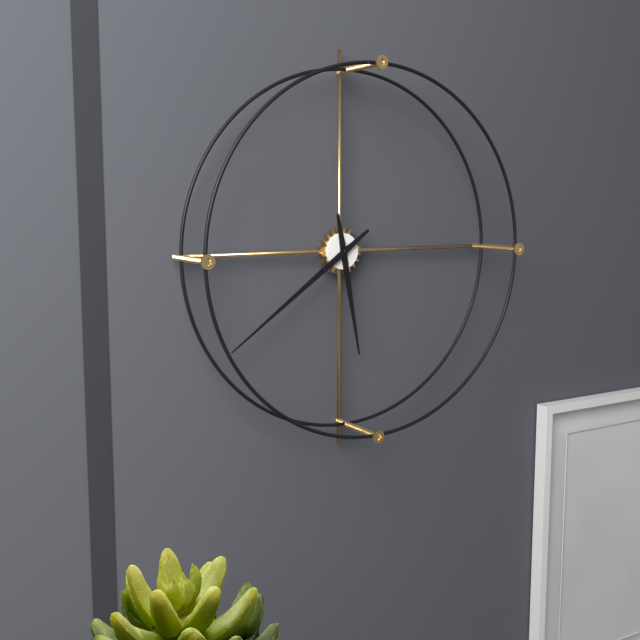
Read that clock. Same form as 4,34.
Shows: 5,39
